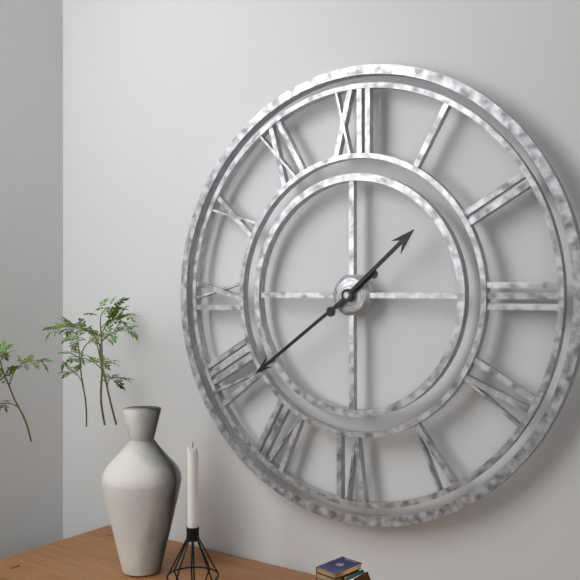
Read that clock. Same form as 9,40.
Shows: 1,39
